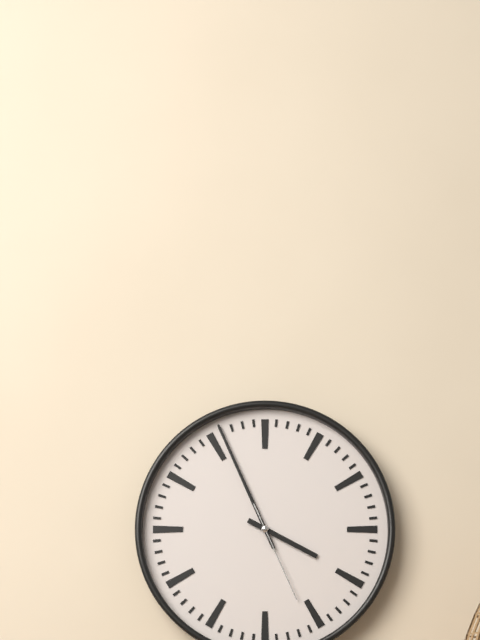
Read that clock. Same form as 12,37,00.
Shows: 3,56,26
